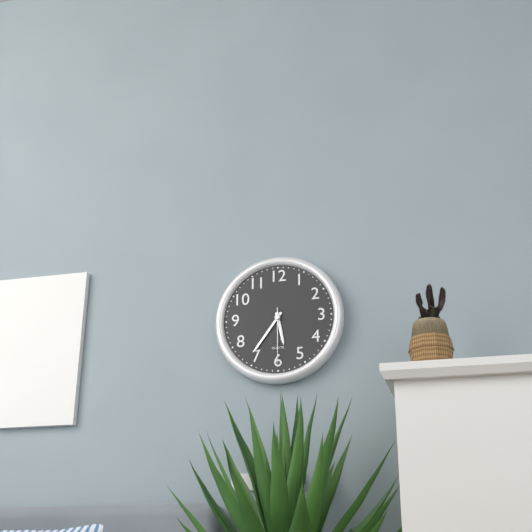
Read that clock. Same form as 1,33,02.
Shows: 5,36,30
